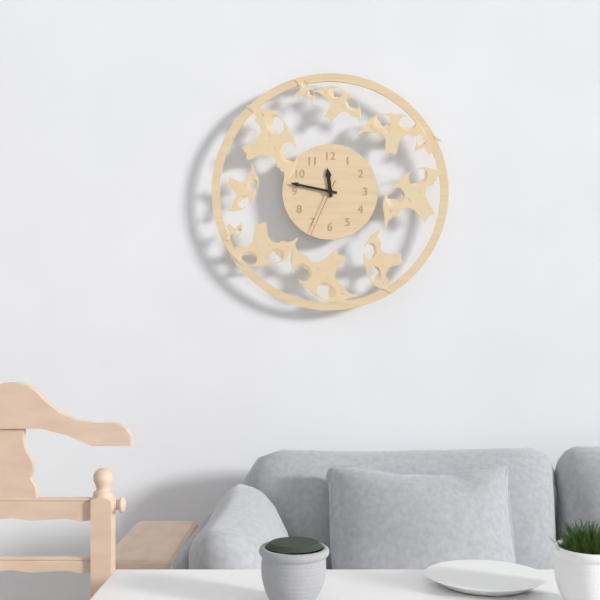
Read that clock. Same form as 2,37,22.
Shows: 11,47,34
